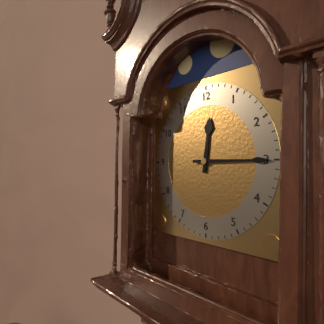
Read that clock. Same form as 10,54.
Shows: 12,15
